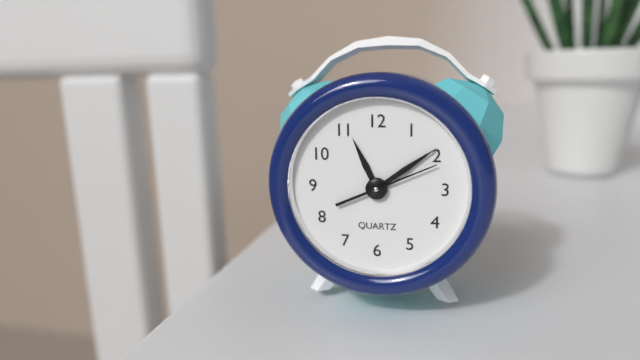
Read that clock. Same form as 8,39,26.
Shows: 11,09,11
